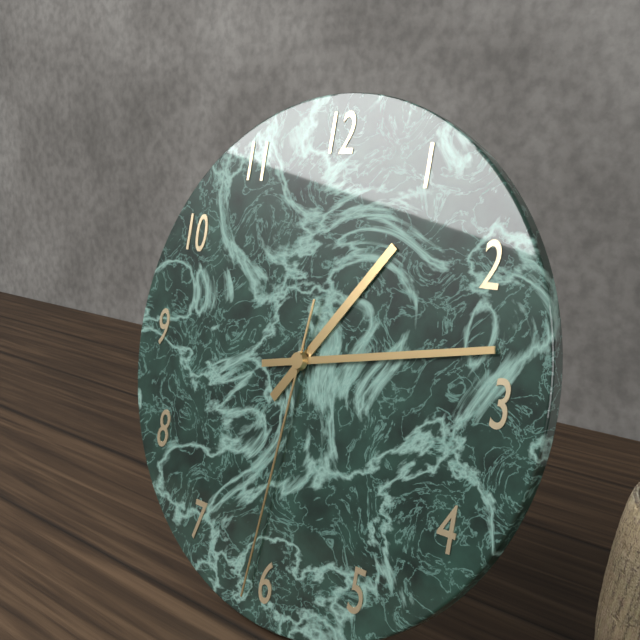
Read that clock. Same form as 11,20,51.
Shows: 1,13,31
